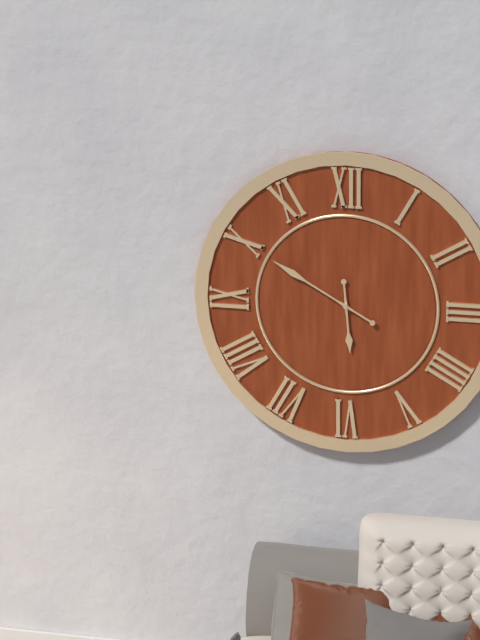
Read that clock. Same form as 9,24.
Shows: 5,50
